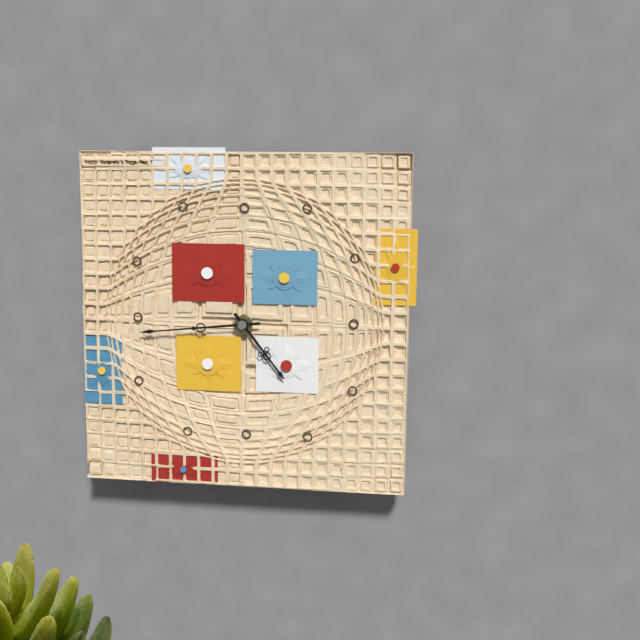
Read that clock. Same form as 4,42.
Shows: 4,44
